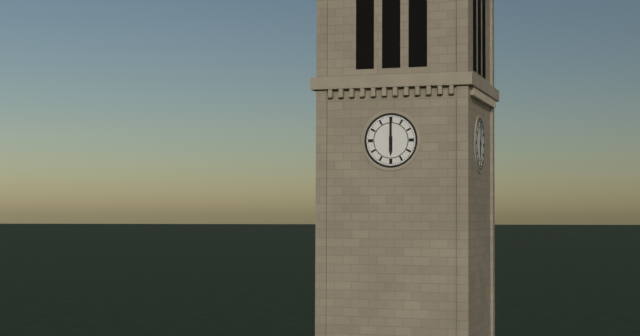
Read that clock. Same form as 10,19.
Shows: 6,00
